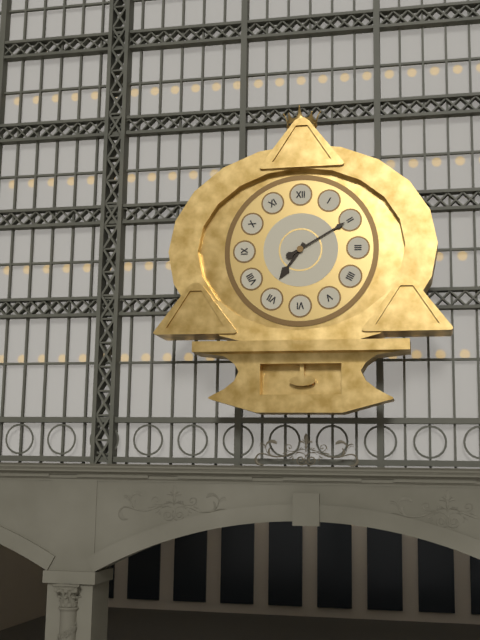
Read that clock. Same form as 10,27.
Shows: 7,10
